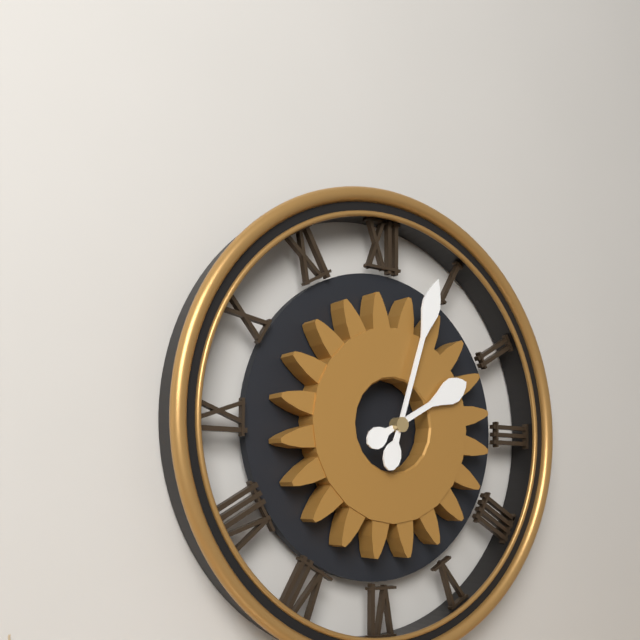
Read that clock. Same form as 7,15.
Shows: 2,03
